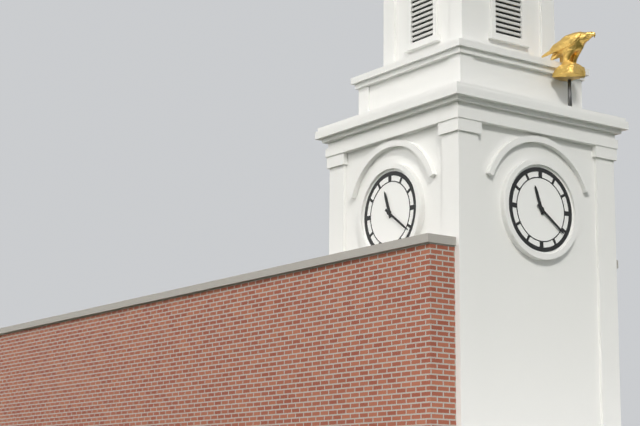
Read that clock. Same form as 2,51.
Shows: 11,21
